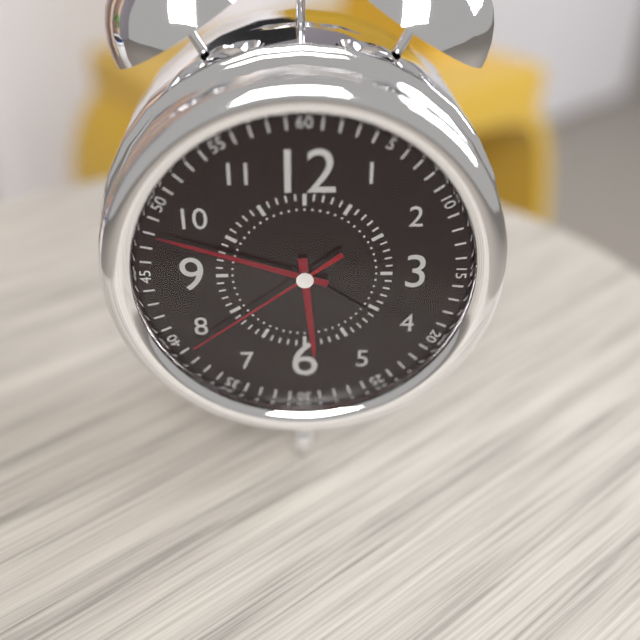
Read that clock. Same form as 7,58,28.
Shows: 5,48,39
